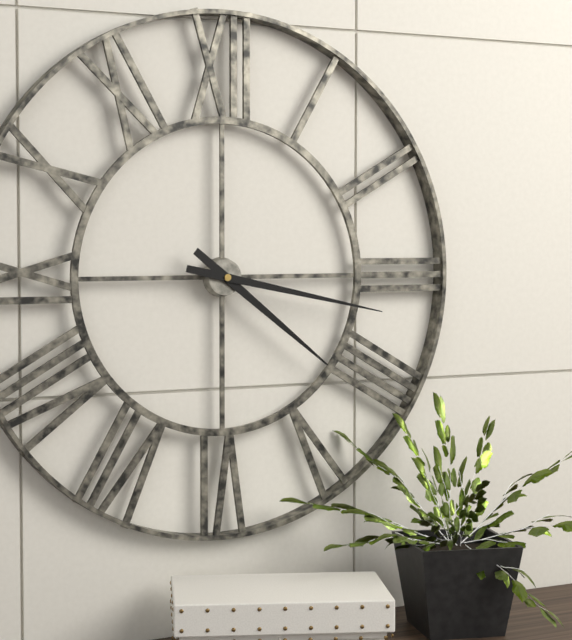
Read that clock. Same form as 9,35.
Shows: 4,17
